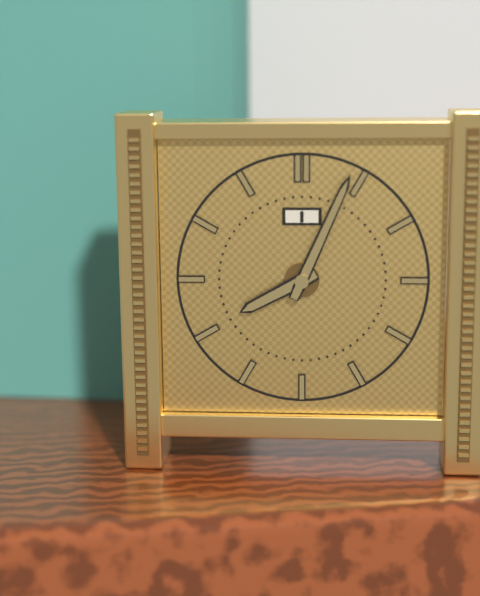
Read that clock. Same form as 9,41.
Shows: 8,04
